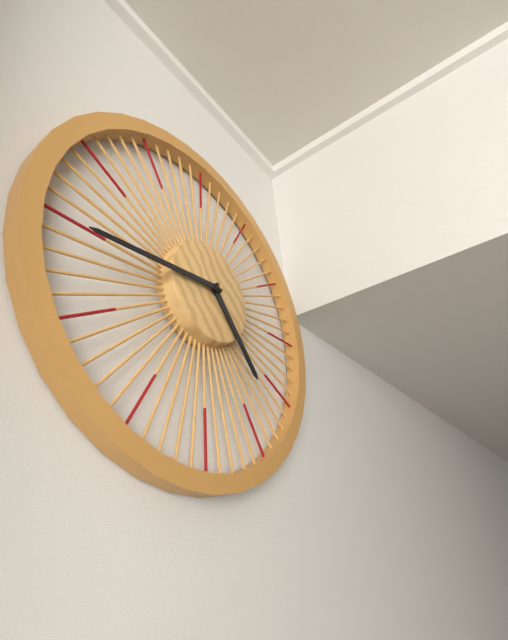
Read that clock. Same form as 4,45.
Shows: 4,44
